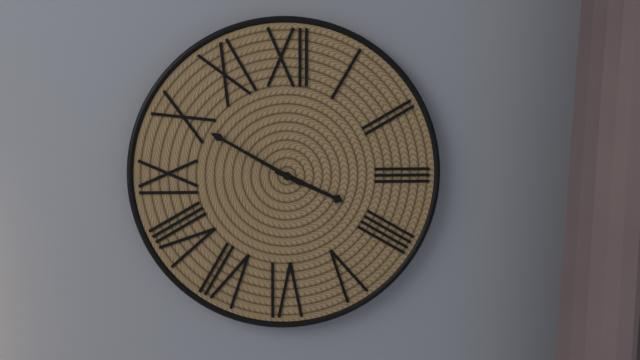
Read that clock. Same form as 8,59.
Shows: 3,50
